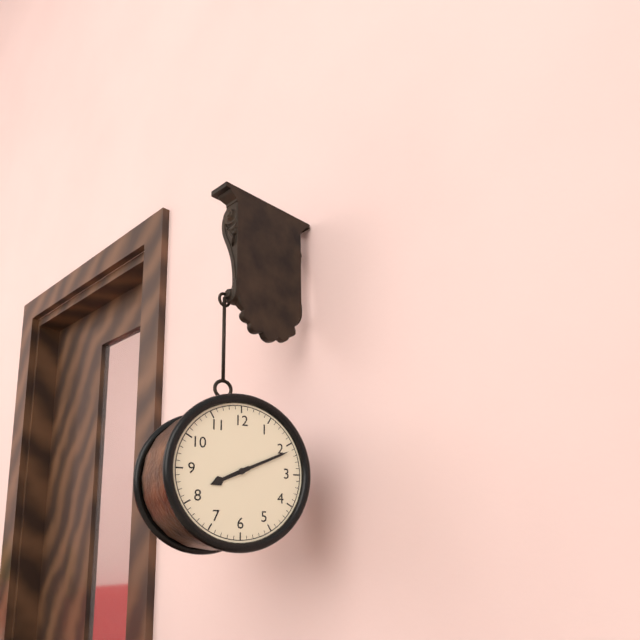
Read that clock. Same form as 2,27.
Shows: 8,11
